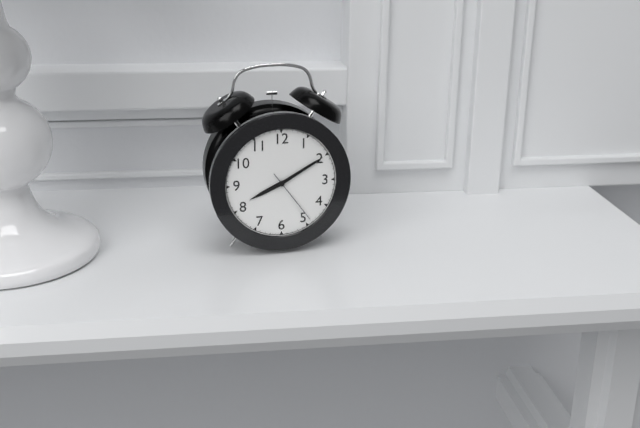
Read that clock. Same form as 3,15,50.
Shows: 8,10,24
